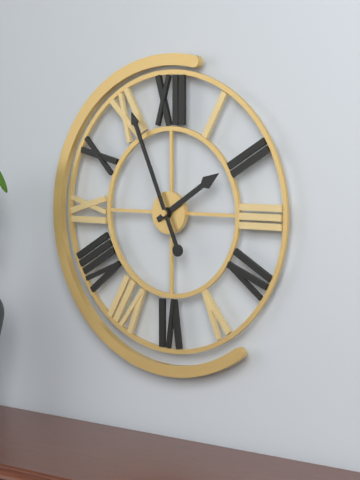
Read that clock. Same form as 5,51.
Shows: 1,56
